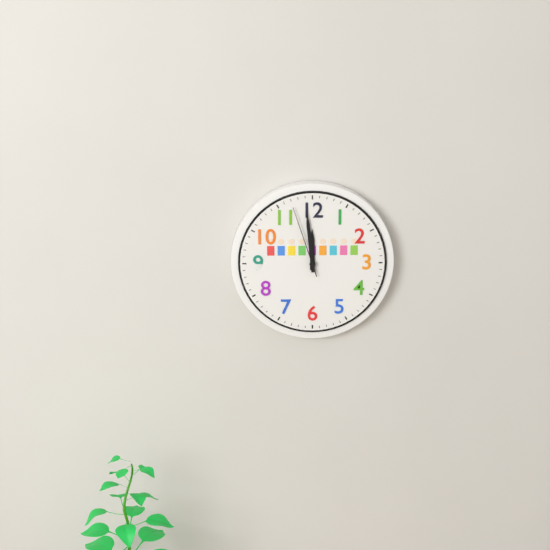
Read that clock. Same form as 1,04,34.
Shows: 11,59,57
